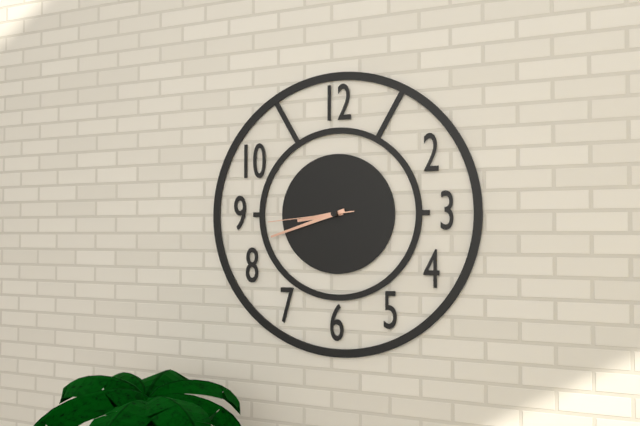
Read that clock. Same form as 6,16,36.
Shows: 8,42,44
